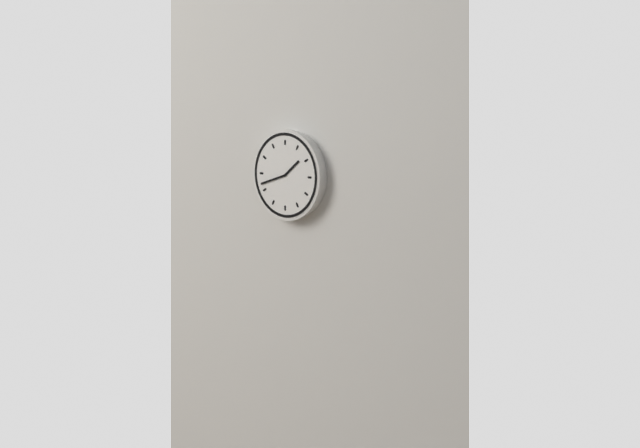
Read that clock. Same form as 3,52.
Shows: 1,42
